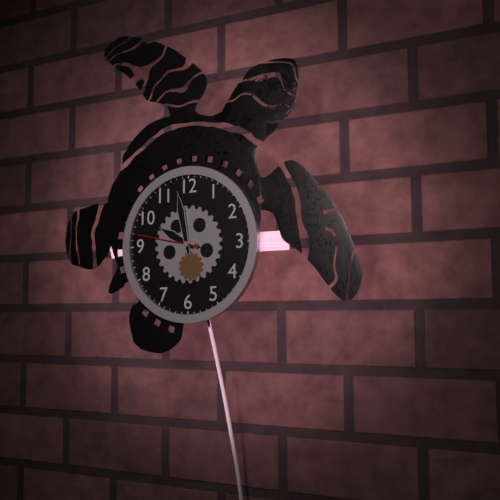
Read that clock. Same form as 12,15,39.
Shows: 9,58,47
